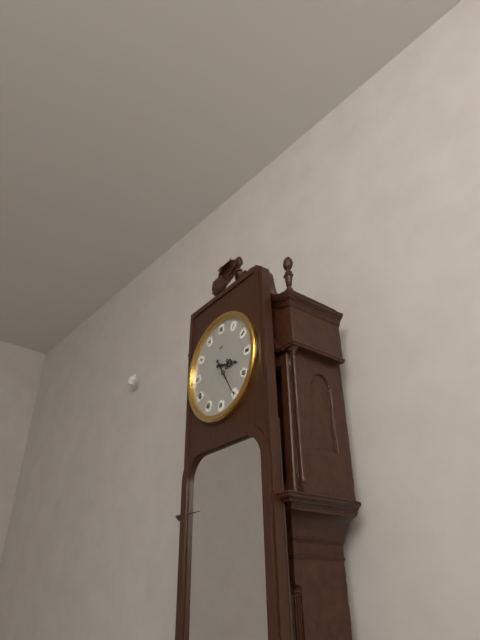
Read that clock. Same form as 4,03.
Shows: 3,25
